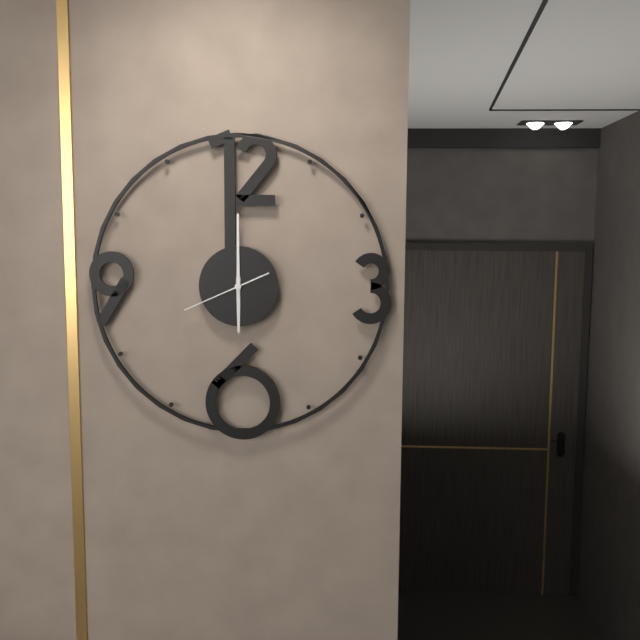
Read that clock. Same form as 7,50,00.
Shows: 6,00,41
